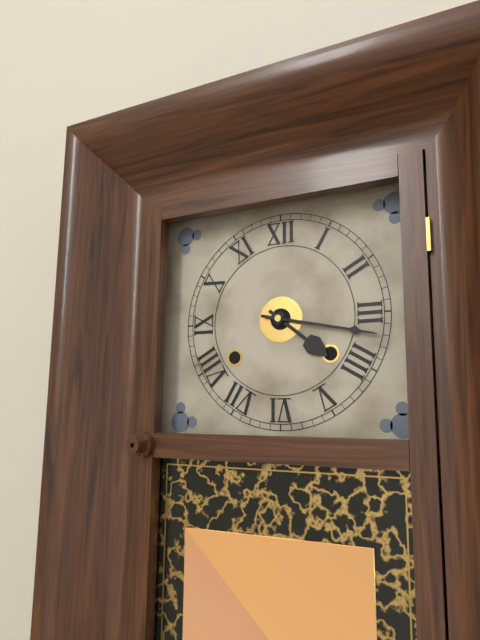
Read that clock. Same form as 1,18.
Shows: 4,17
